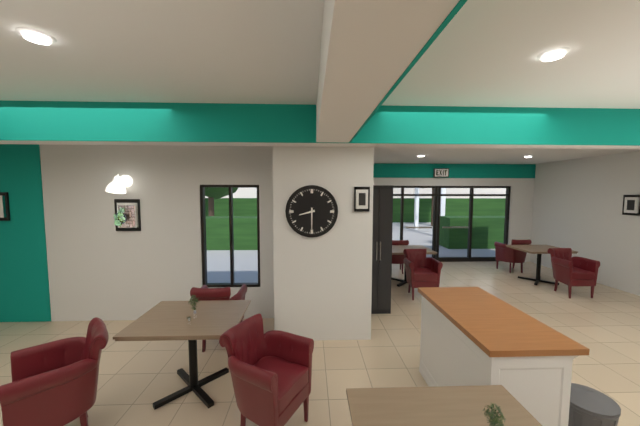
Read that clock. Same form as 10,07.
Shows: 8,30
